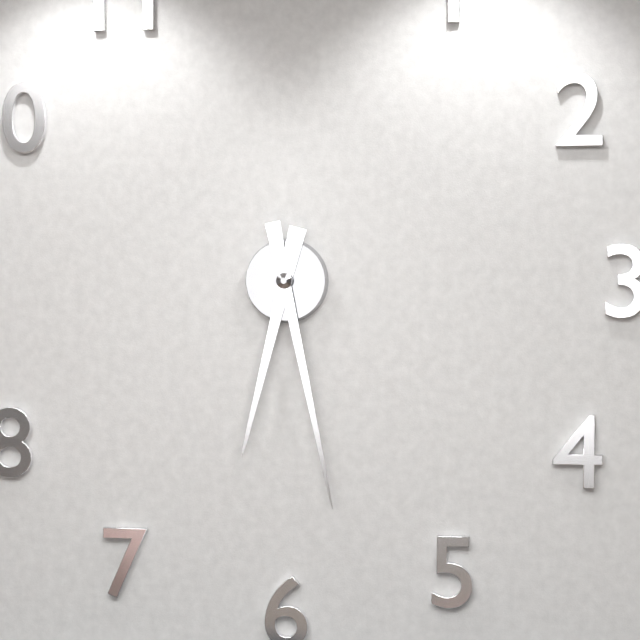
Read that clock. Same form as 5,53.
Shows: 6,28
